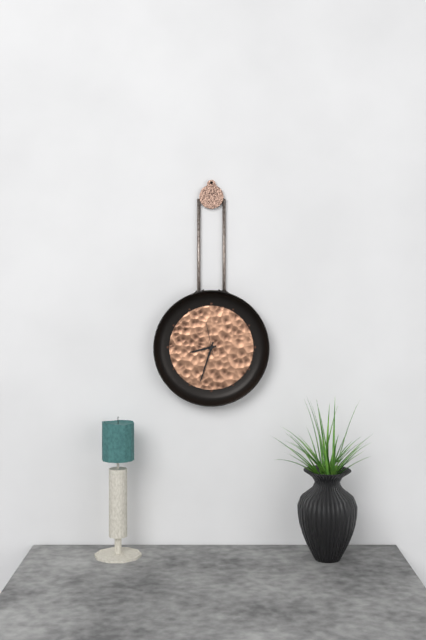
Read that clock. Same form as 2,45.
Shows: 8,33
